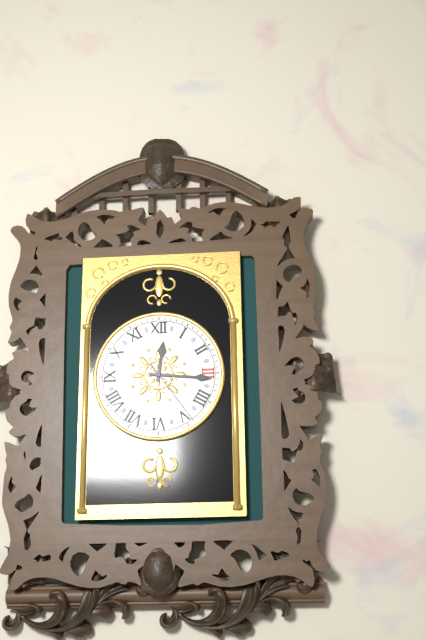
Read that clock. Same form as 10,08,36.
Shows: 12,16,24
